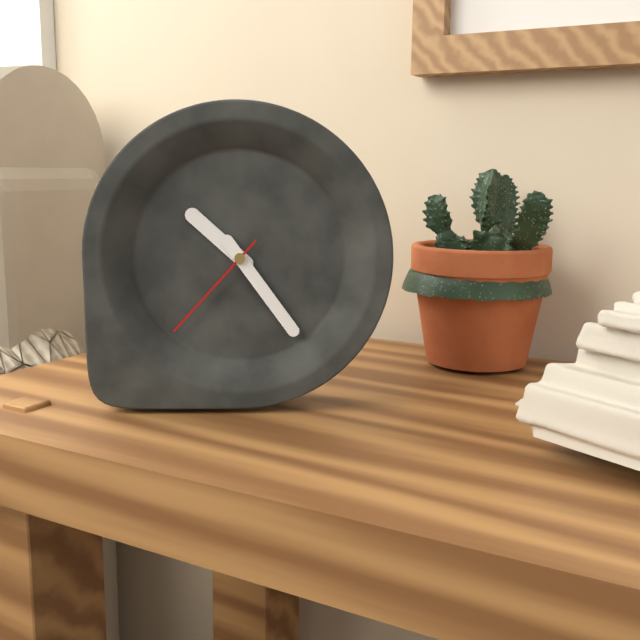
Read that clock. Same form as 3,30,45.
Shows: 10,24,37
